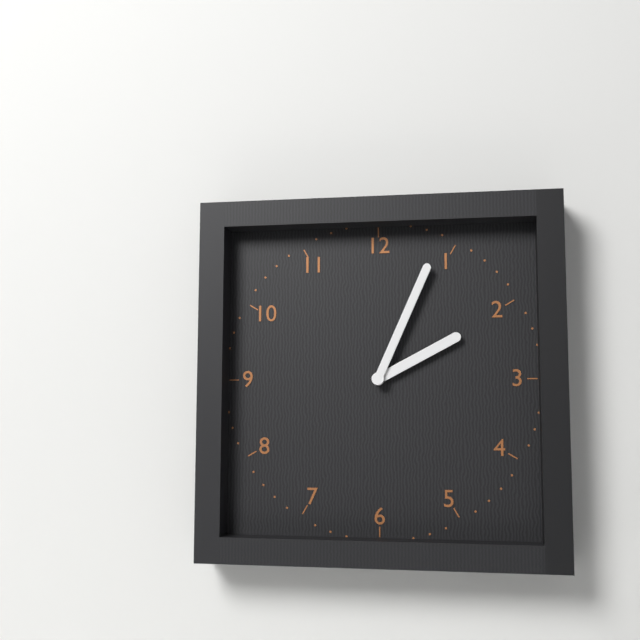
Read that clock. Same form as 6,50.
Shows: 2,04
